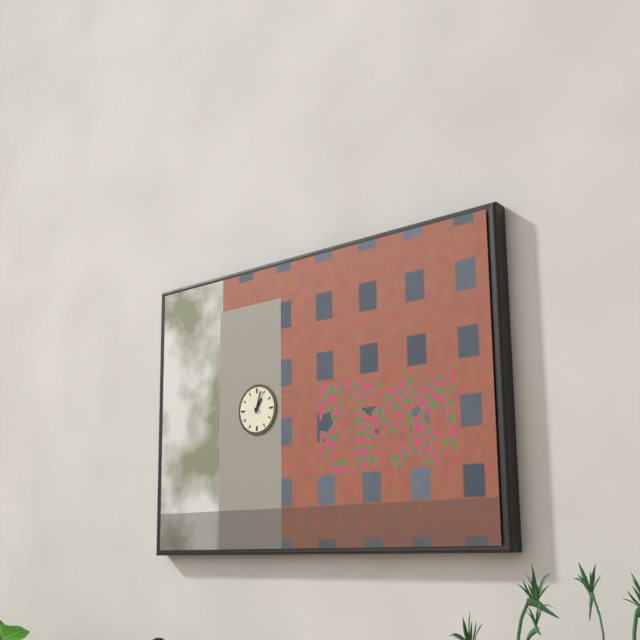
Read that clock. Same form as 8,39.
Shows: 1,03
